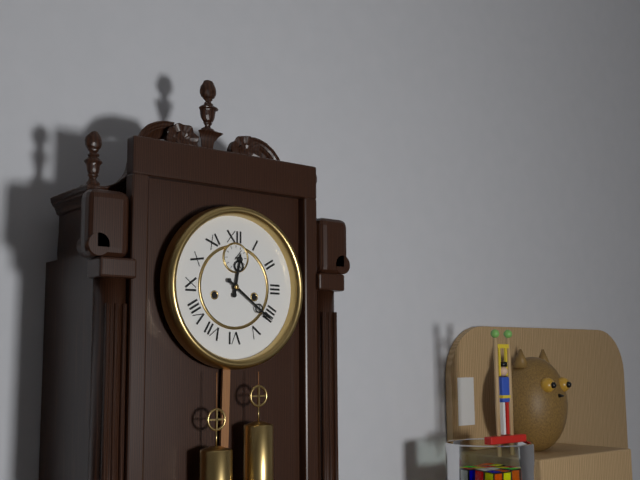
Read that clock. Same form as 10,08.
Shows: 12,21
